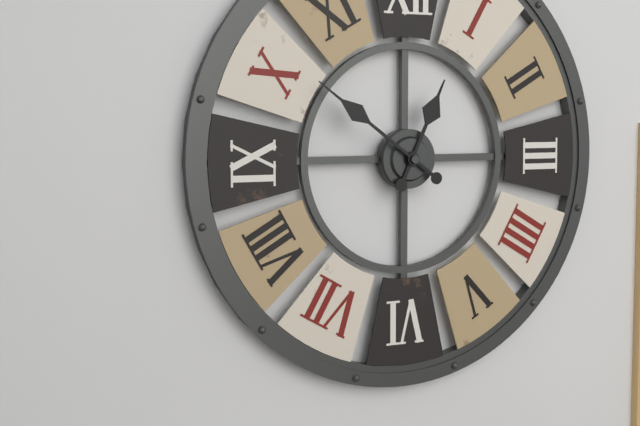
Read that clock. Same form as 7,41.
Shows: 12,51
